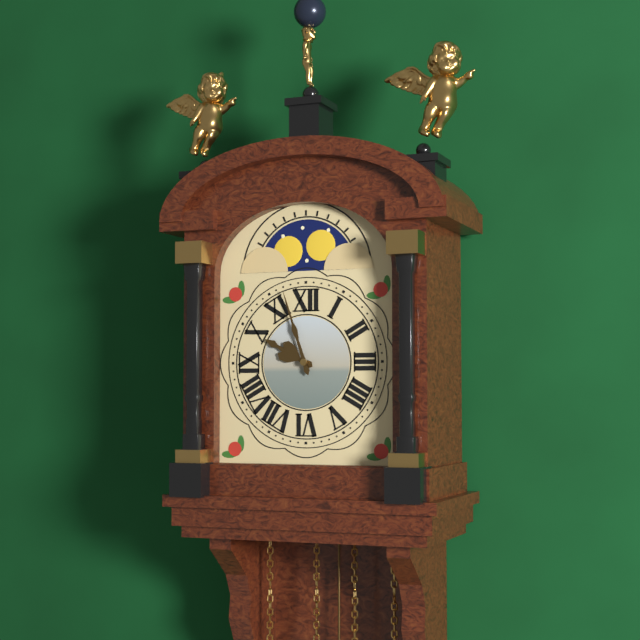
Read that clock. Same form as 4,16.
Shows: 9,57
